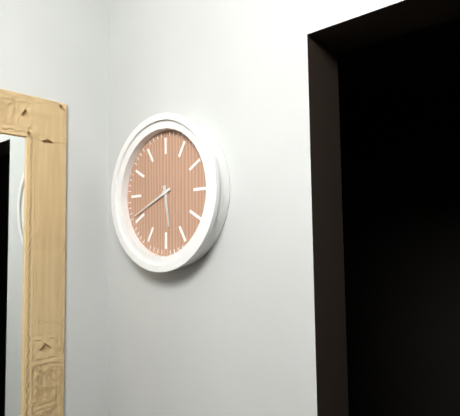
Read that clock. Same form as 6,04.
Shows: 5,41
